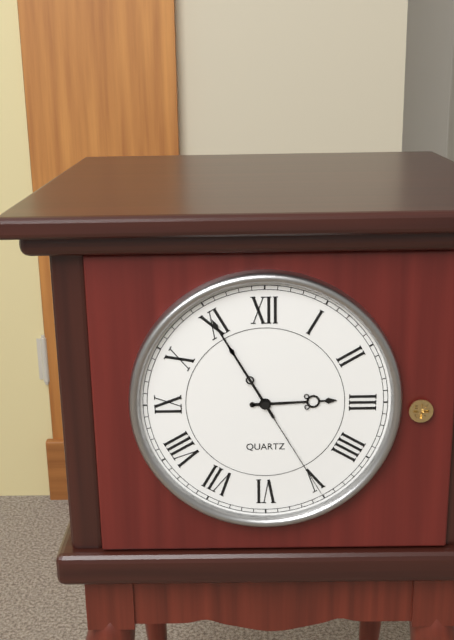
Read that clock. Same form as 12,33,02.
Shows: 2,55,25
